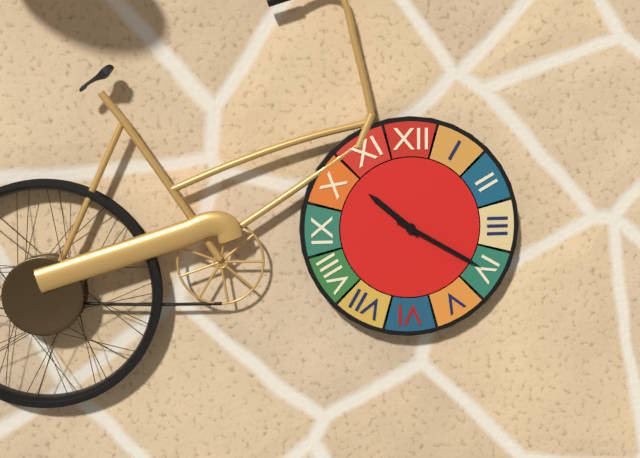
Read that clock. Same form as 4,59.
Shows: 10,20
